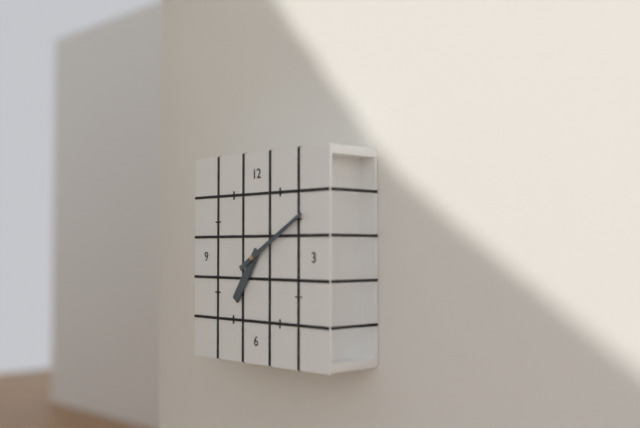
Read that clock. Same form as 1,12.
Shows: 7,10
